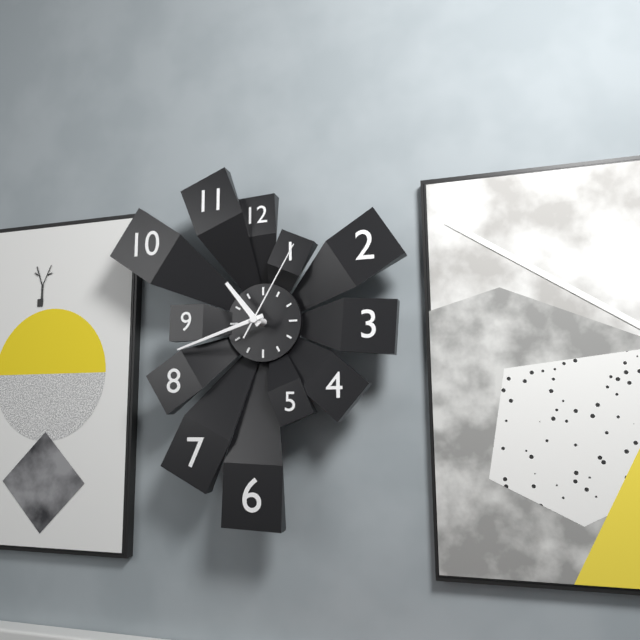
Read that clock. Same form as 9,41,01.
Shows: 10,42,05
